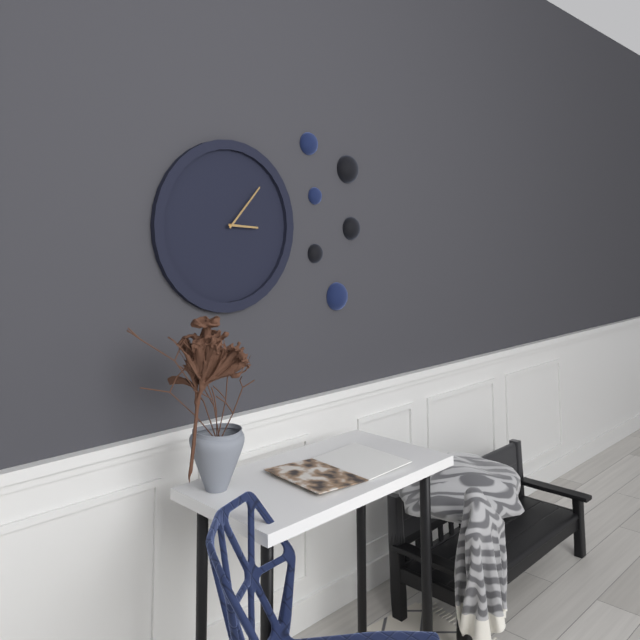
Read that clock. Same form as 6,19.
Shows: 3,07
